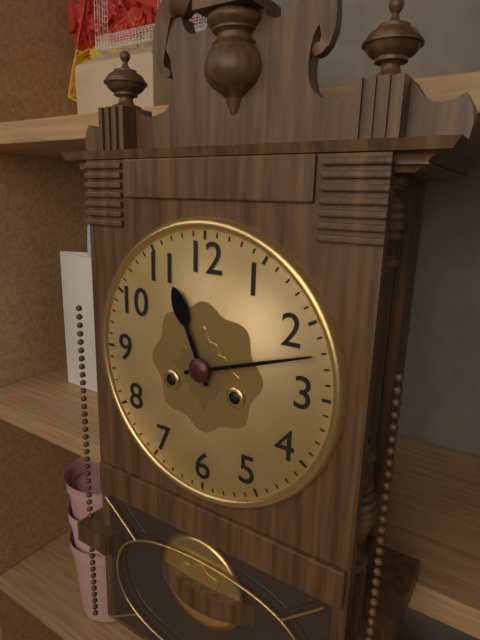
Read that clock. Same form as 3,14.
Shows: 11,12
